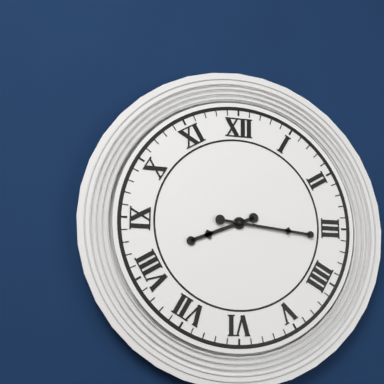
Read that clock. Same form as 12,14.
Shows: 8,16
